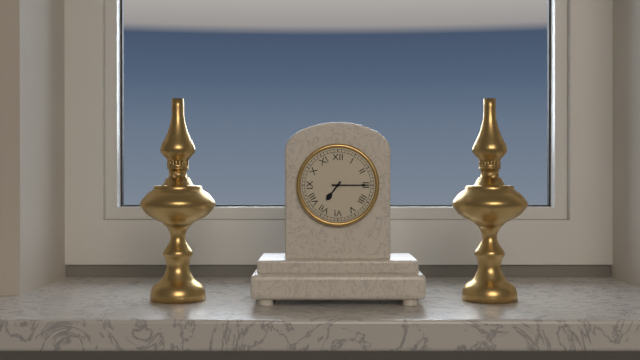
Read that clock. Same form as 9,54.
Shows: 7,15
